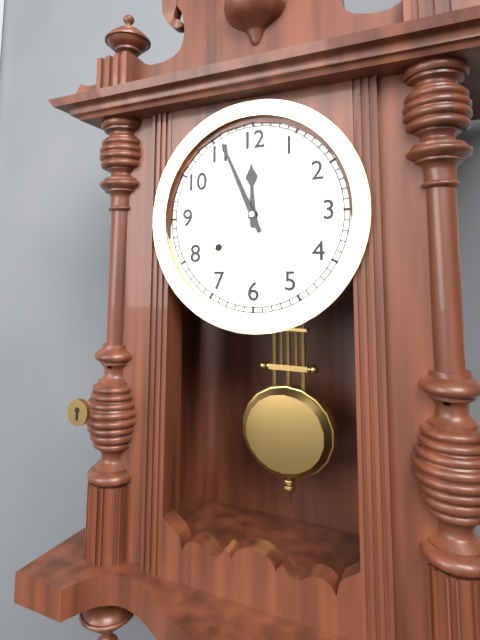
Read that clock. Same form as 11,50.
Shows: 11,56
